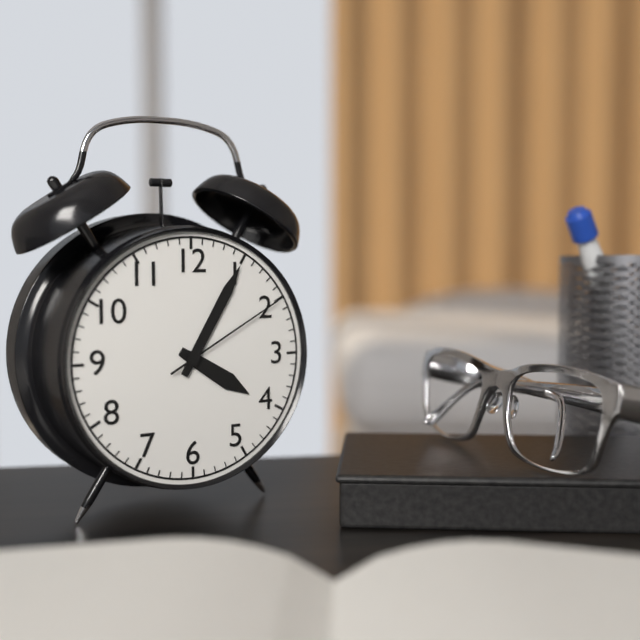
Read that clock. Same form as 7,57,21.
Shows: 4,05,10
